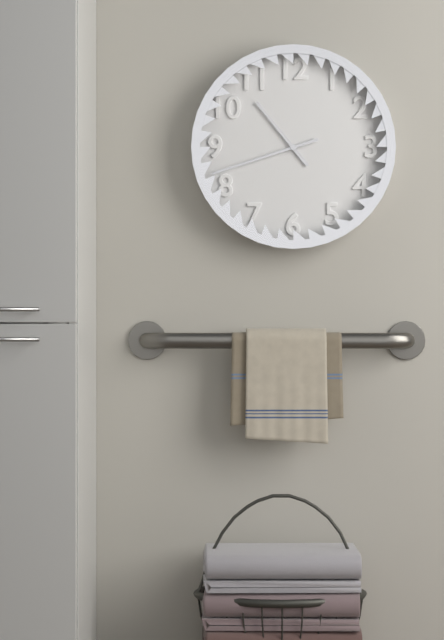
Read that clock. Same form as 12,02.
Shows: 10,42
